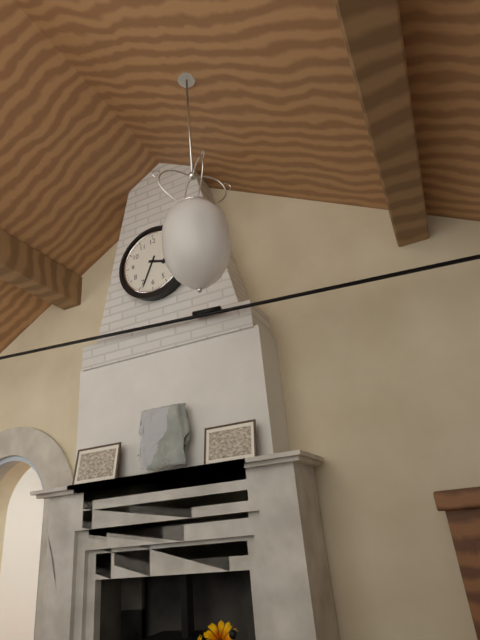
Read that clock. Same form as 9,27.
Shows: 3,34
